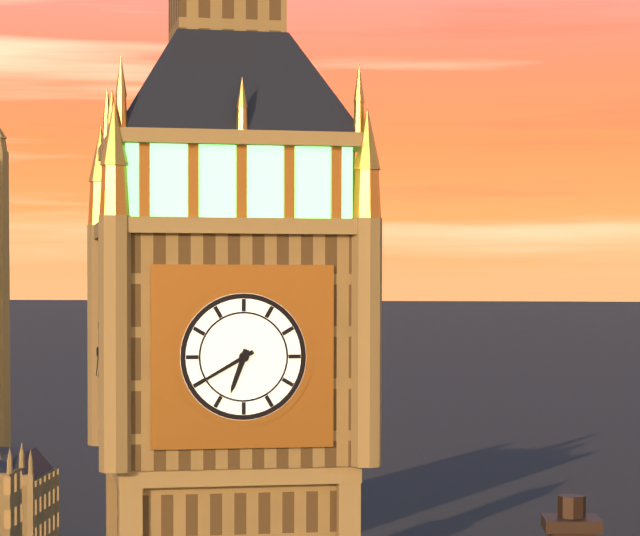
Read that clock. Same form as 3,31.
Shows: 6,40
